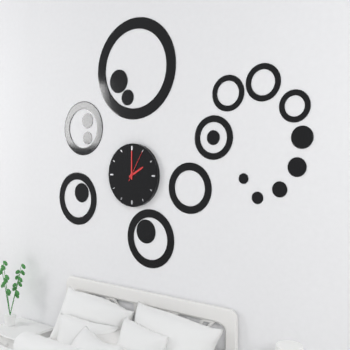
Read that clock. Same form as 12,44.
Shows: 2,00
